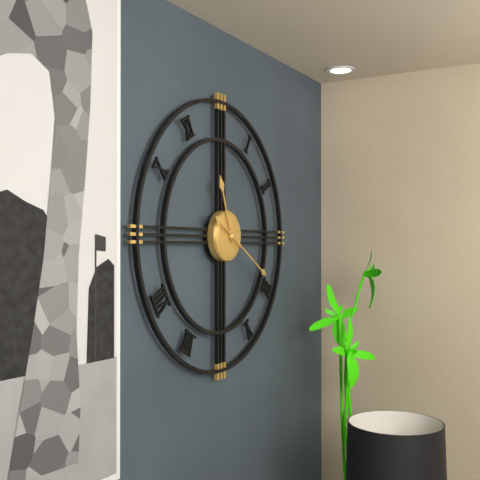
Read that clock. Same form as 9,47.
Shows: 11,20
